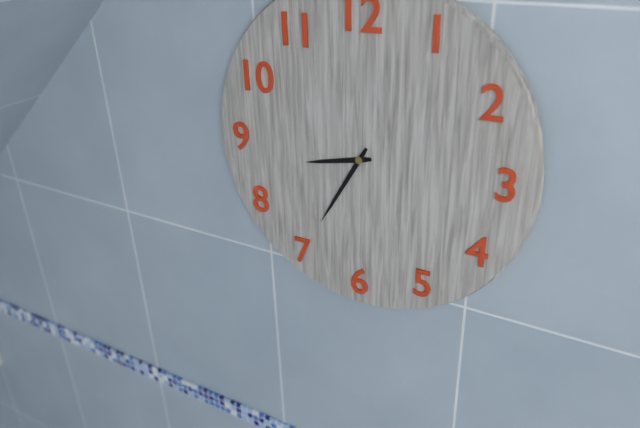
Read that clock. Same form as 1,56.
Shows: 8,35
